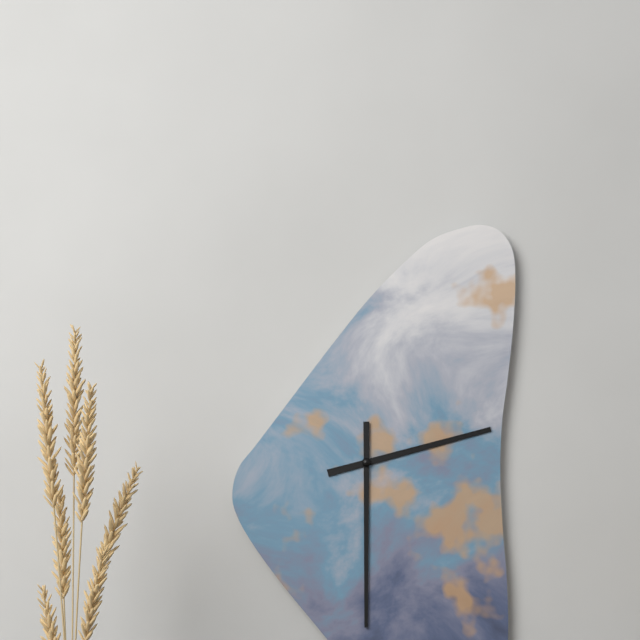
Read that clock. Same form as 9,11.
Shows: 2,30
